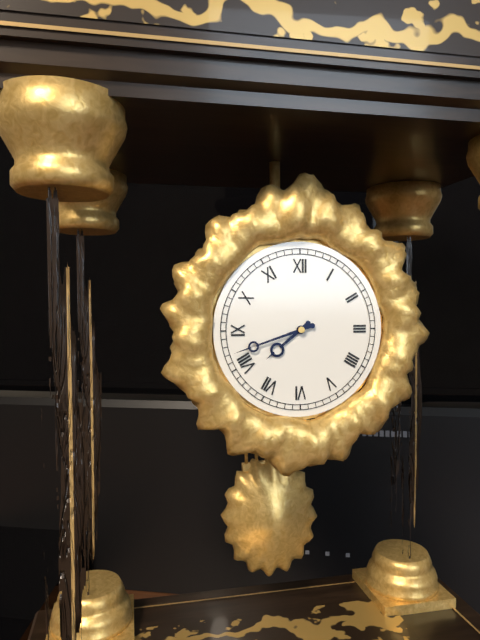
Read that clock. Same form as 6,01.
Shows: 7,42
